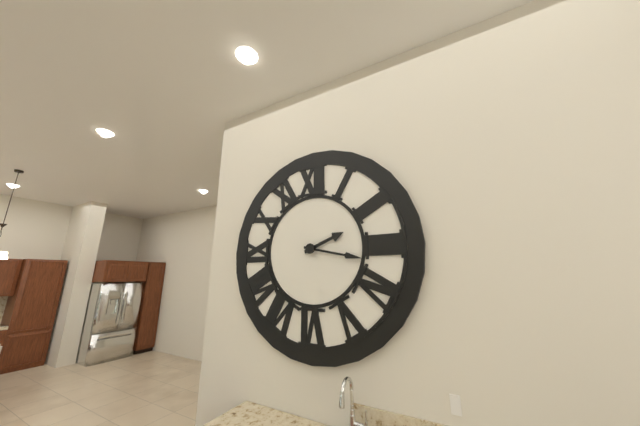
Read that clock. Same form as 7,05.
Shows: 2,17
